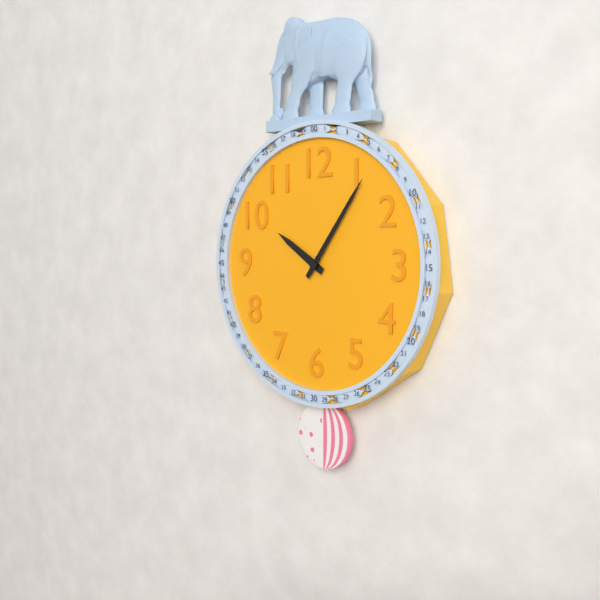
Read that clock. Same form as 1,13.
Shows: 10,06
